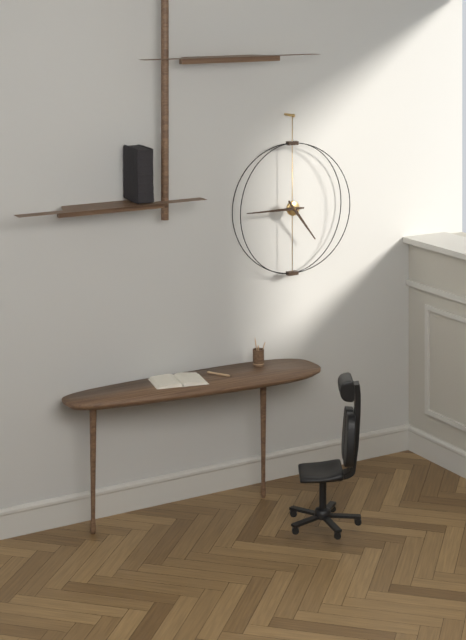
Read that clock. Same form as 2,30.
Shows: 4,45
